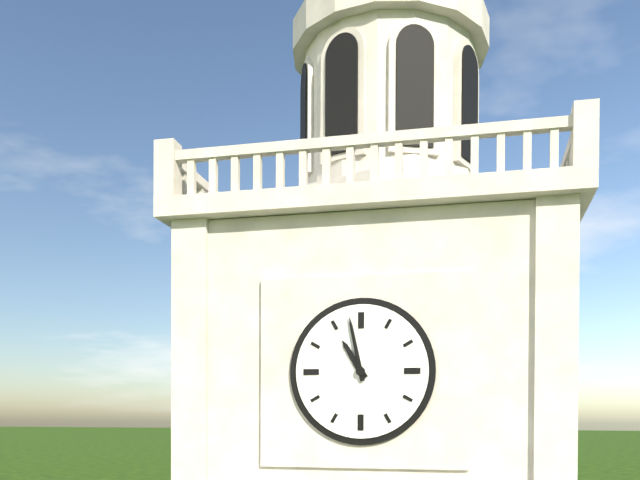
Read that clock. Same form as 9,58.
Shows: 10,58
